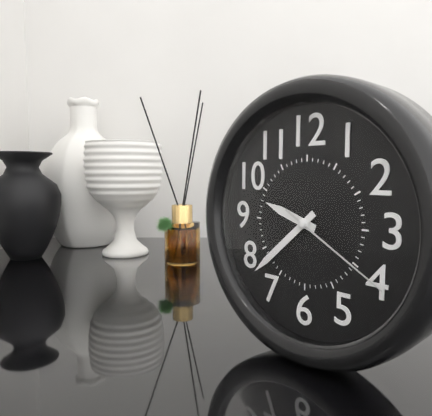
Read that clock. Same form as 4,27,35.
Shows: 9,38,20
